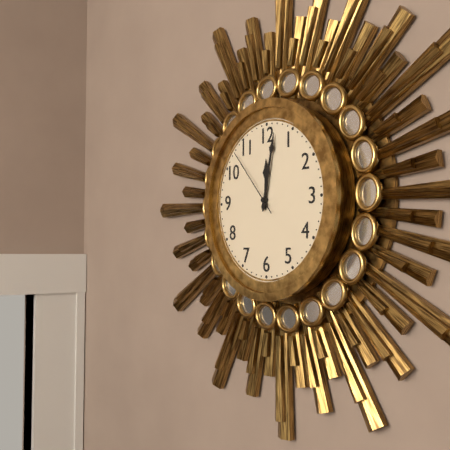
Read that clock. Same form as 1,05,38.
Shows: 12,02,53
